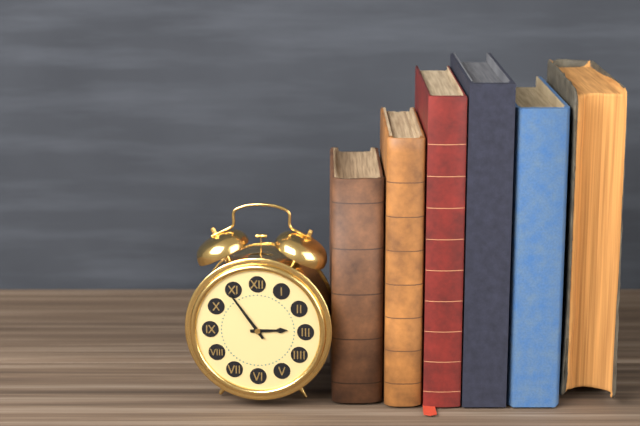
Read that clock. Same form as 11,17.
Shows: 2,54
